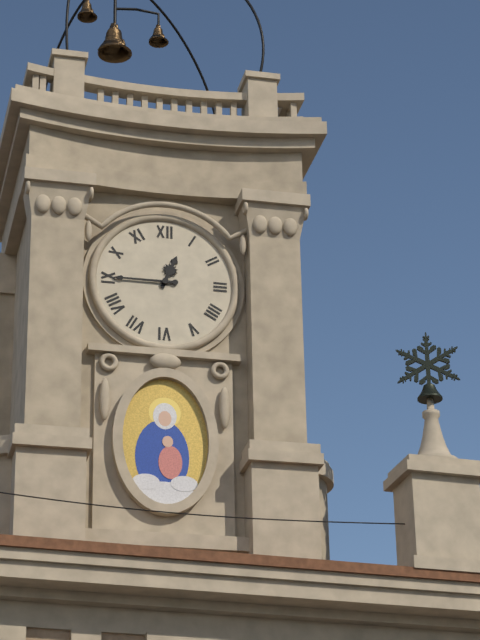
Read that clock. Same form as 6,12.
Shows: 12,45
